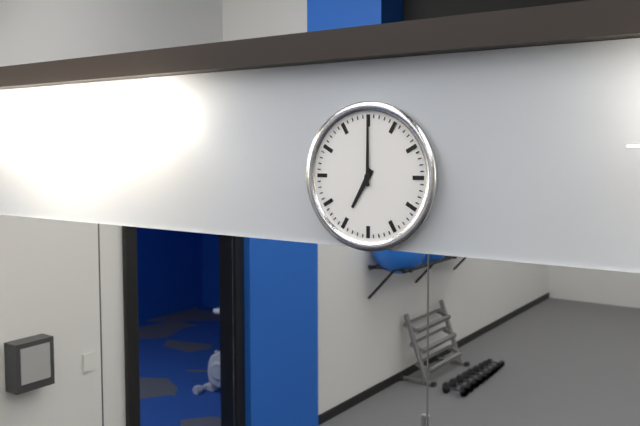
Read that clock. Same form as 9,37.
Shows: 7,00
